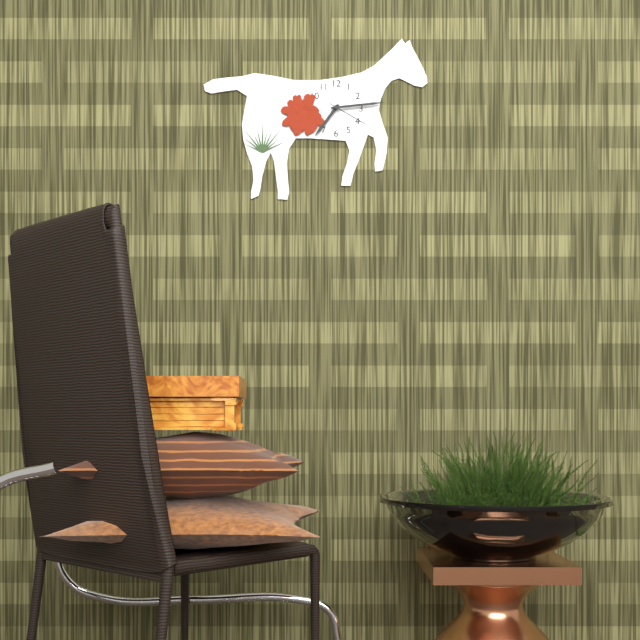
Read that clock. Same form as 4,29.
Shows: 7,14
